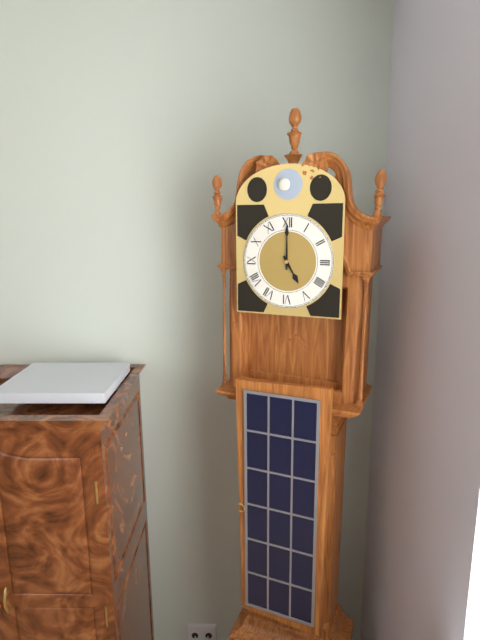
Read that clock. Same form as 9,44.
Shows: 5,00
